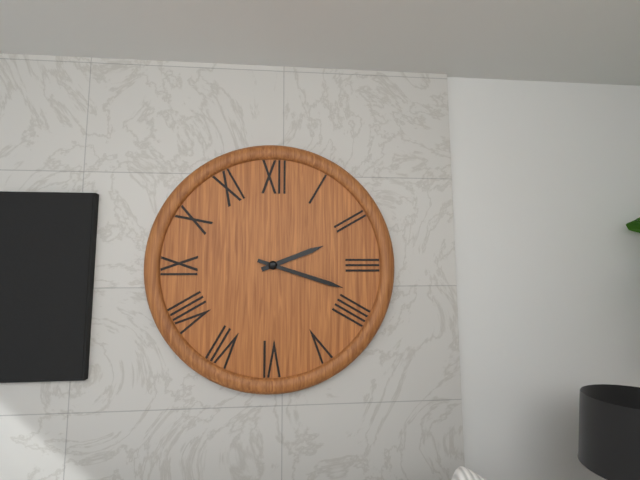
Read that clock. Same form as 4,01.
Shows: 2,18
